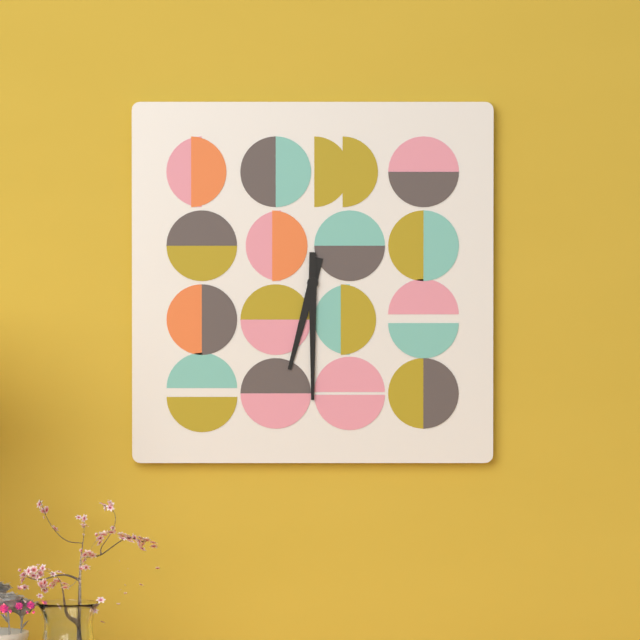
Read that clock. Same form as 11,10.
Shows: 6,30
